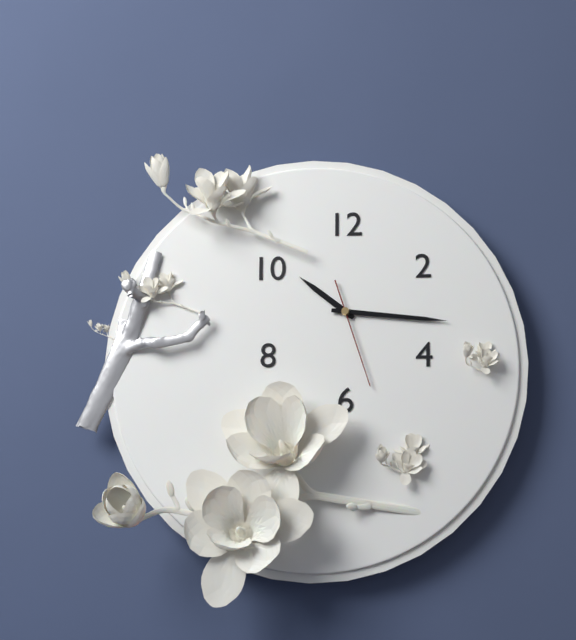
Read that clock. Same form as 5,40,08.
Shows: 10,16,27
